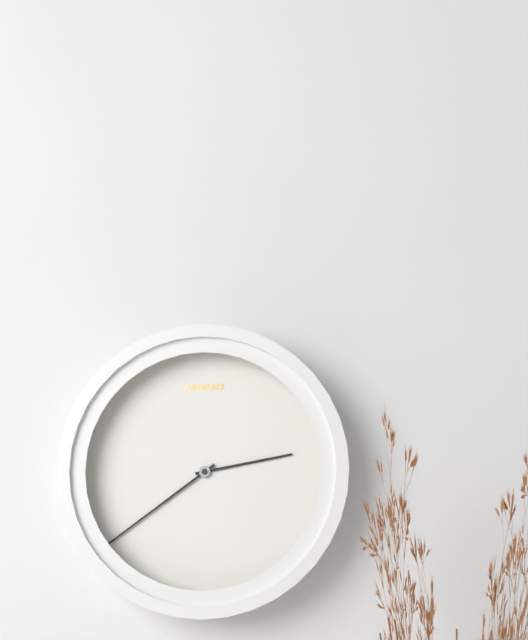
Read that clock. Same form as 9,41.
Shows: 2,39
